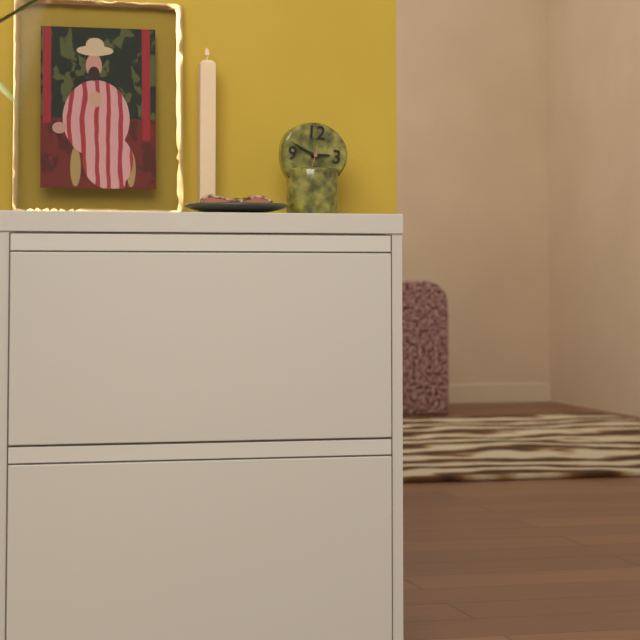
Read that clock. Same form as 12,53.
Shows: 2,49
